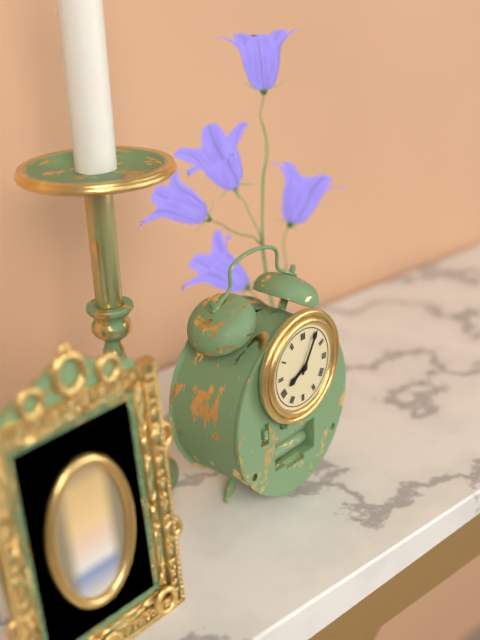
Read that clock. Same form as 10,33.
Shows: 8,05
